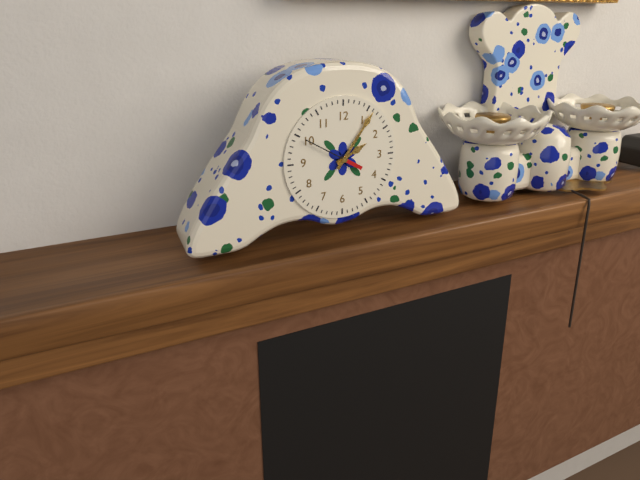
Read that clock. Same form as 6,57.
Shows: 2,06
